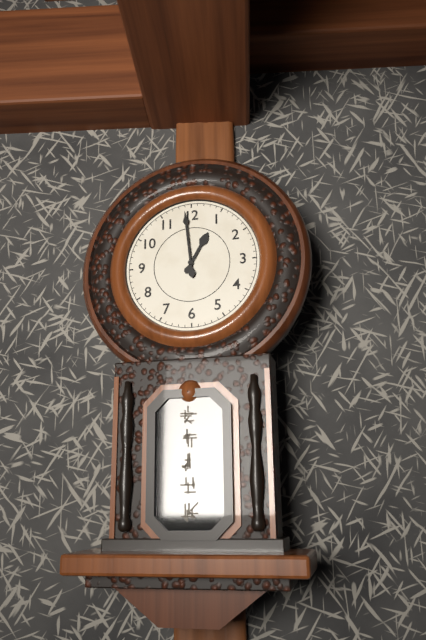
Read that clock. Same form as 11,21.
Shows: 12,59
